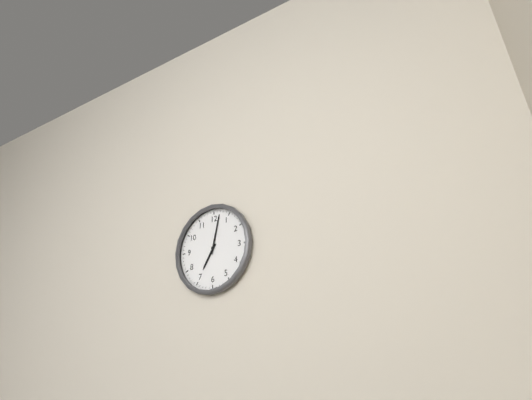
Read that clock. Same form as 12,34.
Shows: 7,02
